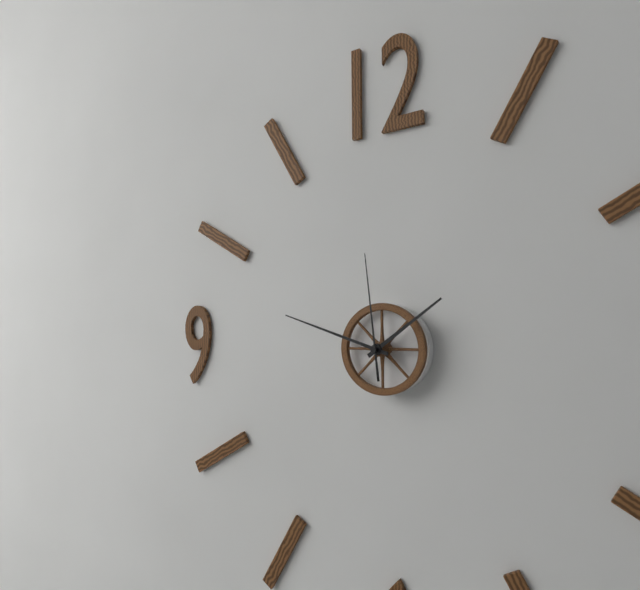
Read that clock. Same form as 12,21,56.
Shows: 1,48,59
